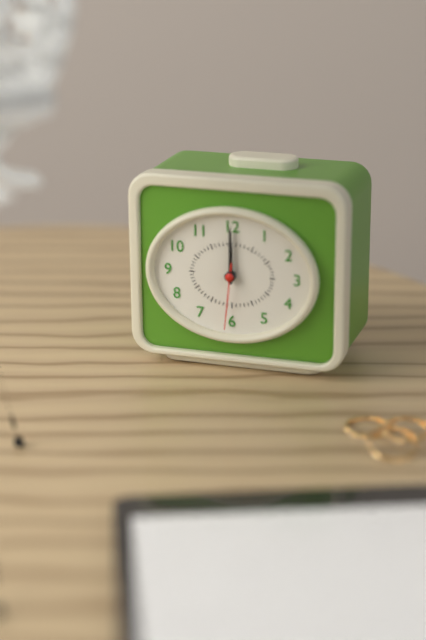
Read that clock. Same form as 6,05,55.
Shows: 12,00,31
